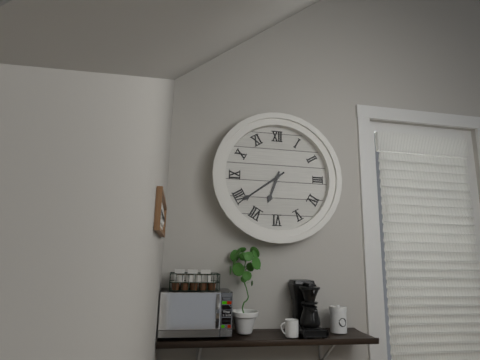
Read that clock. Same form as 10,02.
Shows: 6,39
